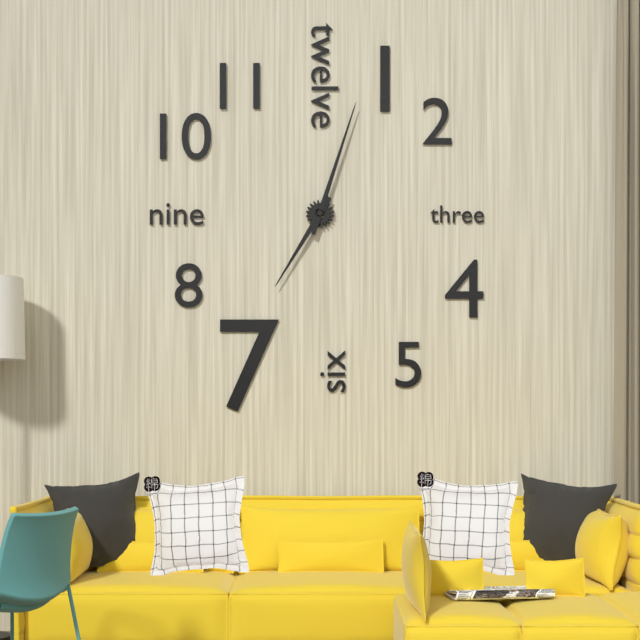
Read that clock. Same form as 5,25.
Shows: 7,03
